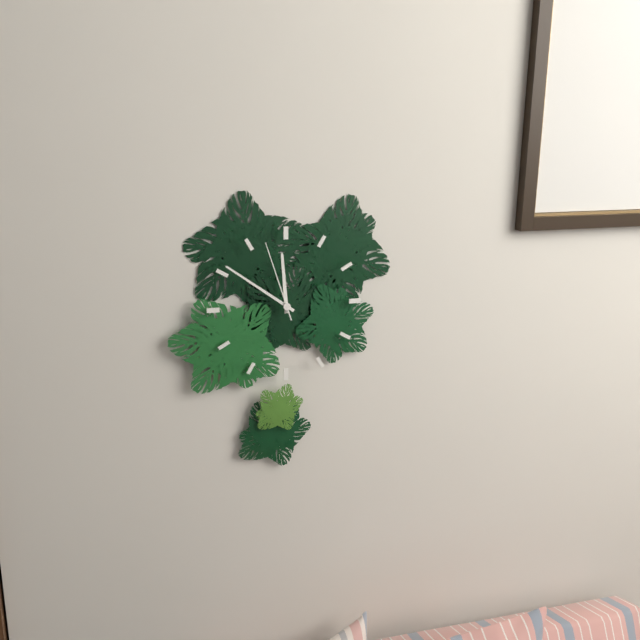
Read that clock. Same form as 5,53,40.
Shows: 11,51,57
